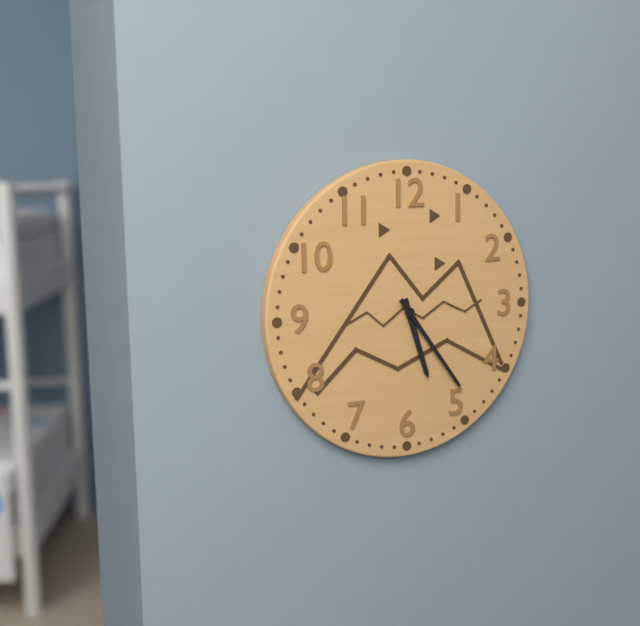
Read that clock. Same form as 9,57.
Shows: 5,24
